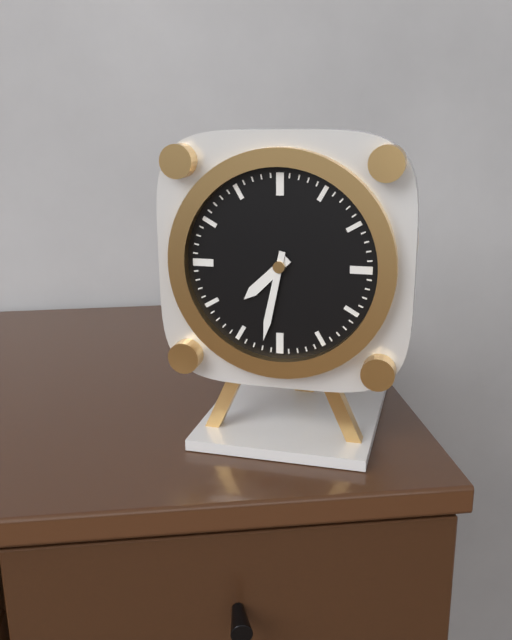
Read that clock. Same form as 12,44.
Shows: 7,32
